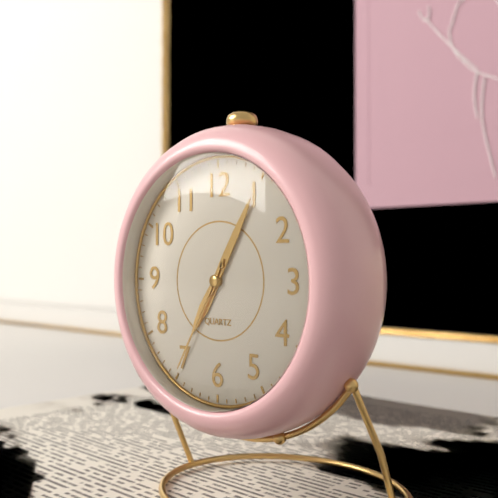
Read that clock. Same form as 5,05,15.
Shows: 7,05,35
